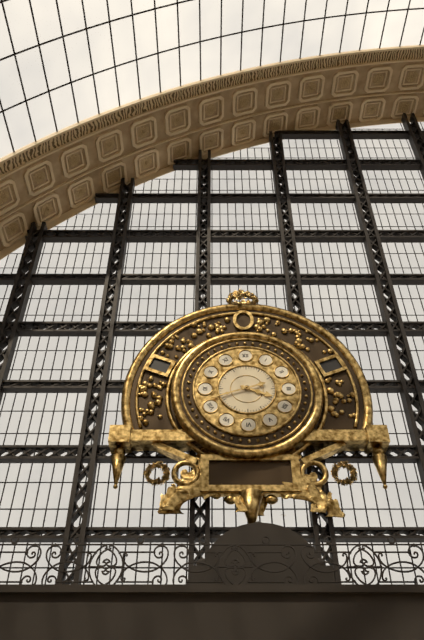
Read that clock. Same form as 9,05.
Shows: 3,42
